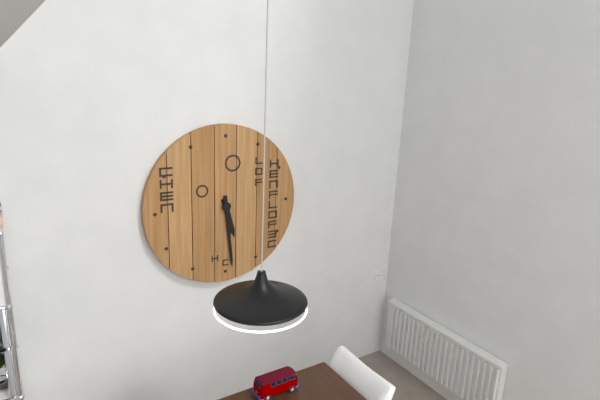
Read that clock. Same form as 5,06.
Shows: 5,29
